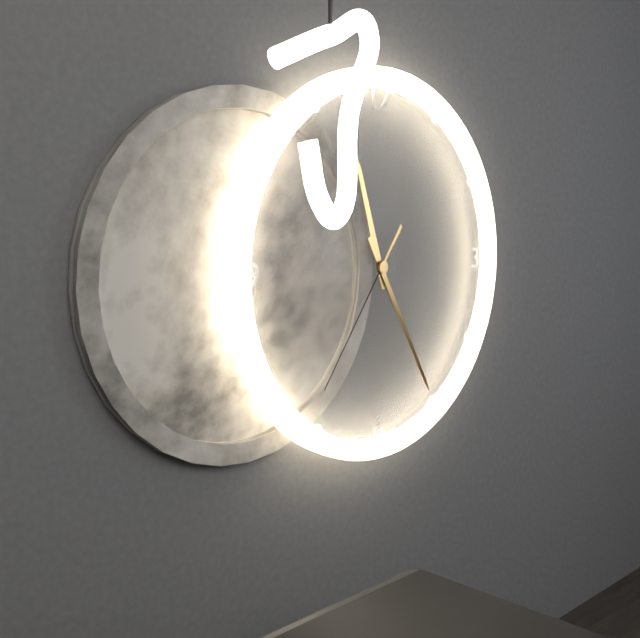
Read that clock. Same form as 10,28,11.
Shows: 11,25,36
